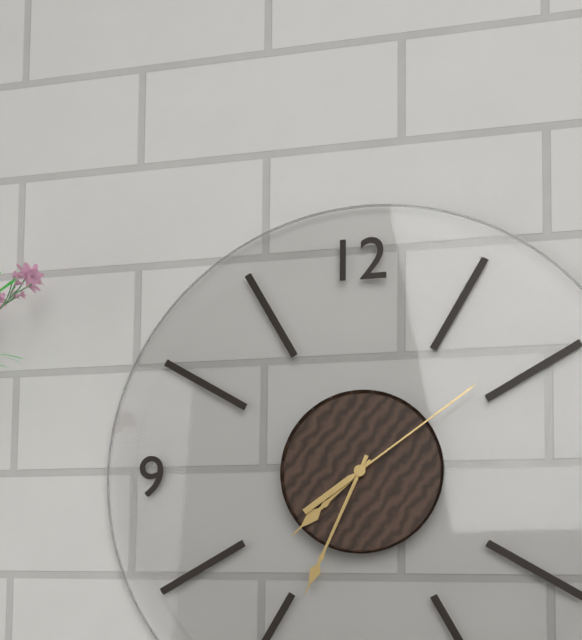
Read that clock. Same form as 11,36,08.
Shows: 7,34,09
